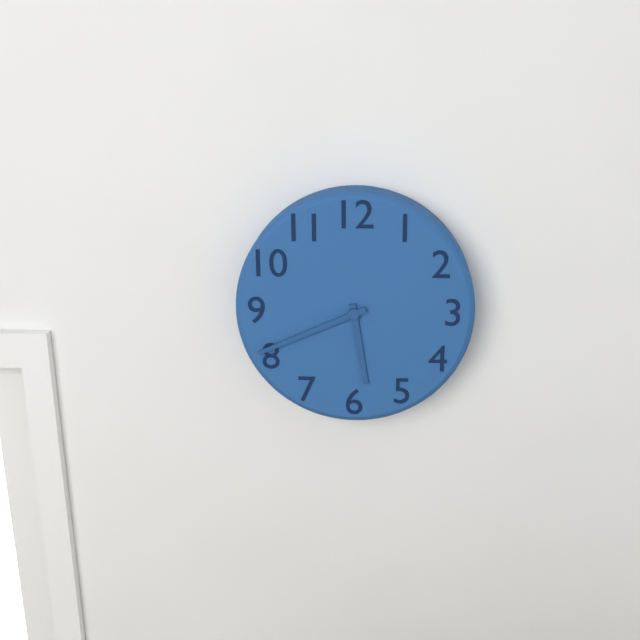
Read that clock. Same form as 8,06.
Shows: 5,41
